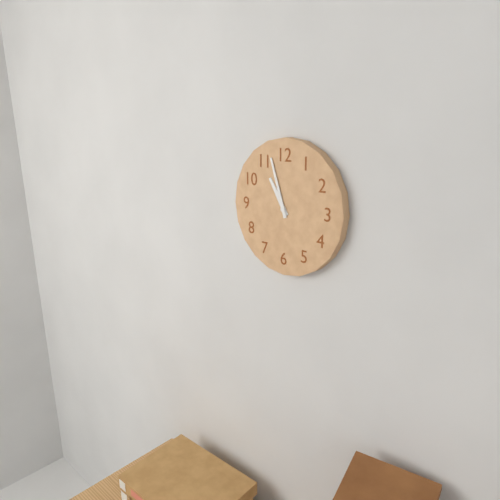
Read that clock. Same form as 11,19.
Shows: 10,57
